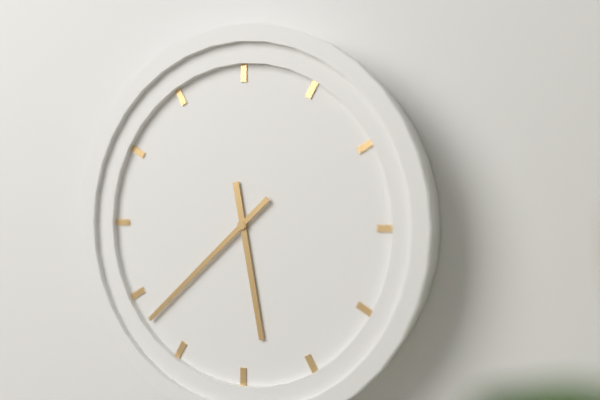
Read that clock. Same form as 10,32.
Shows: 5,38
